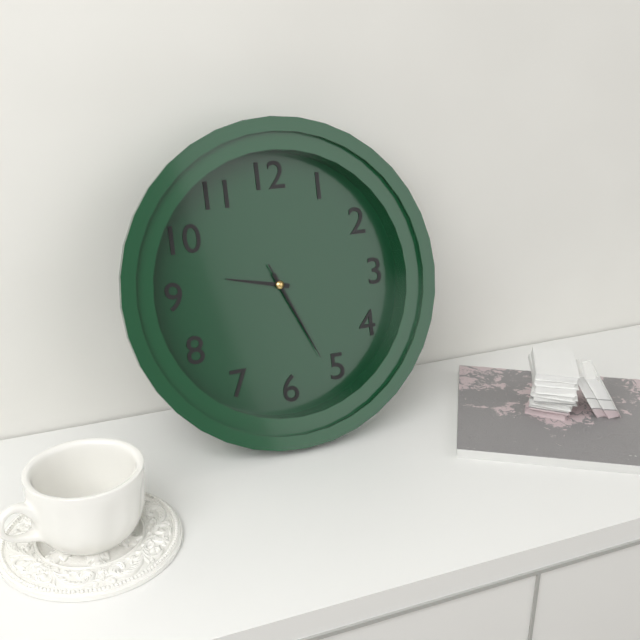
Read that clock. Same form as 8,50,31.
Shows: 9,26,26
